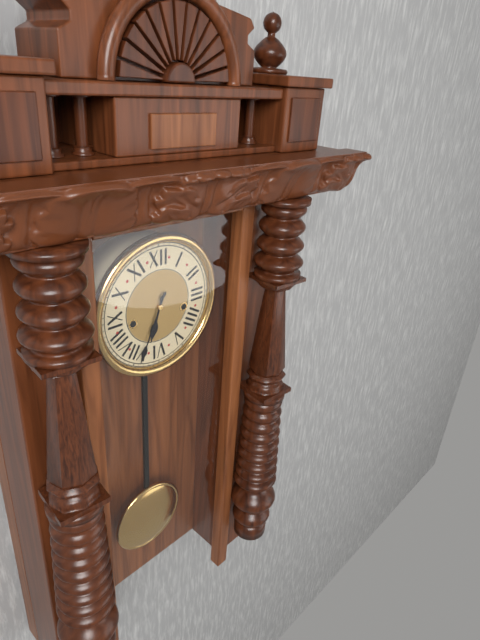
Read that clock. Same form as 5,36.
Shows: 6,34
